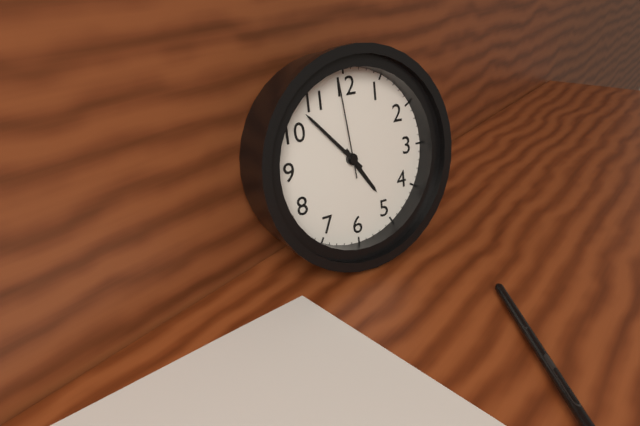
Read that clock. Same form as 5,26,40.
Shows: 4,53,59
